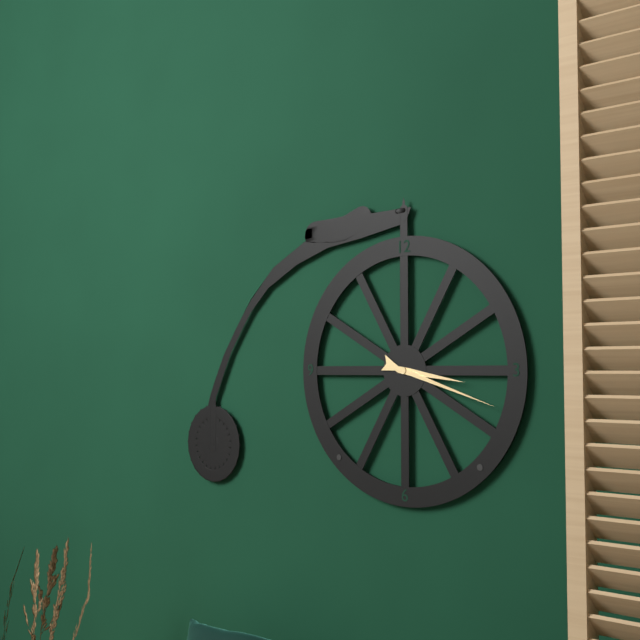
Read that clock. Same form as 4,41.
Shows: 3,18
